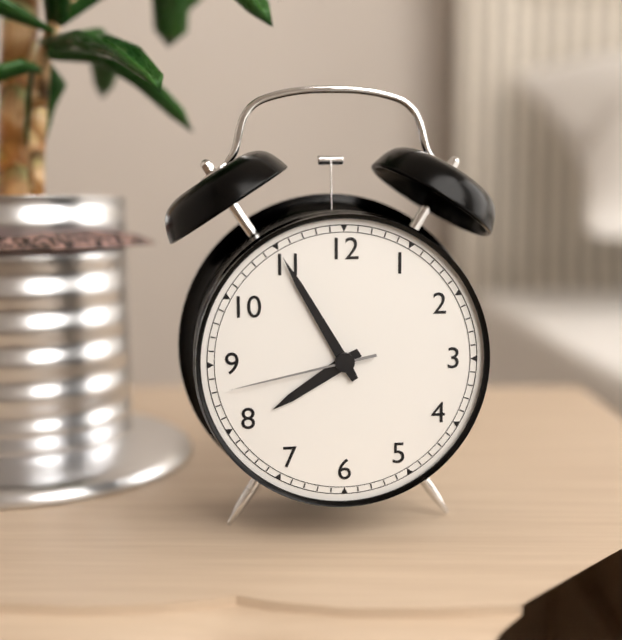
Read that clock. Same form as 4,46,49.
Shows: 7,55,43
